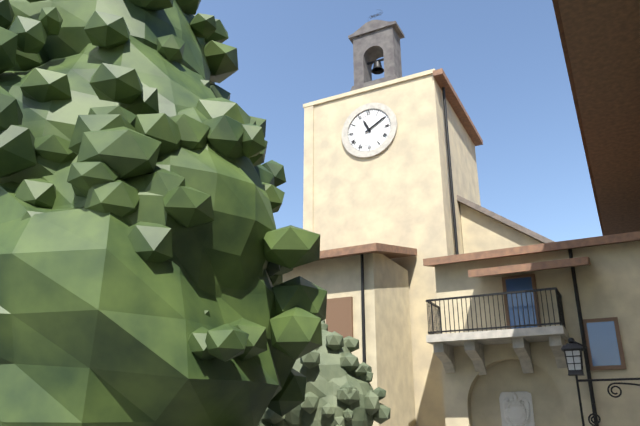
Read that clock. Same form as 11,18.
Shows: 11,10
